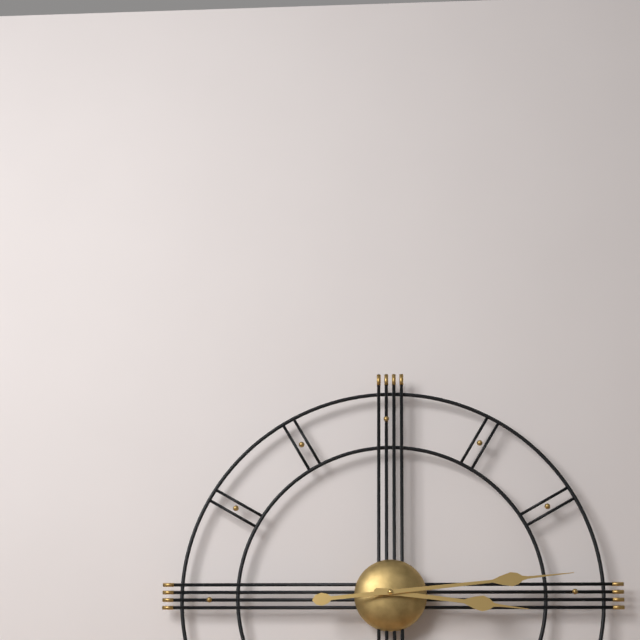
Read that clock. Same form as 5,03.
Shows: 3,14
